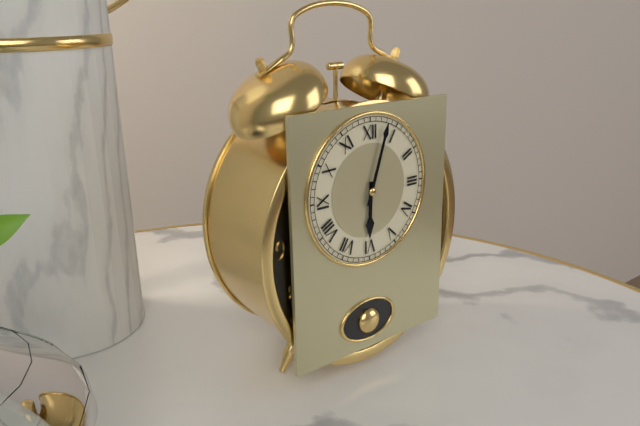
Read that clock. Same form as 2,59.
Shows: 6,03
